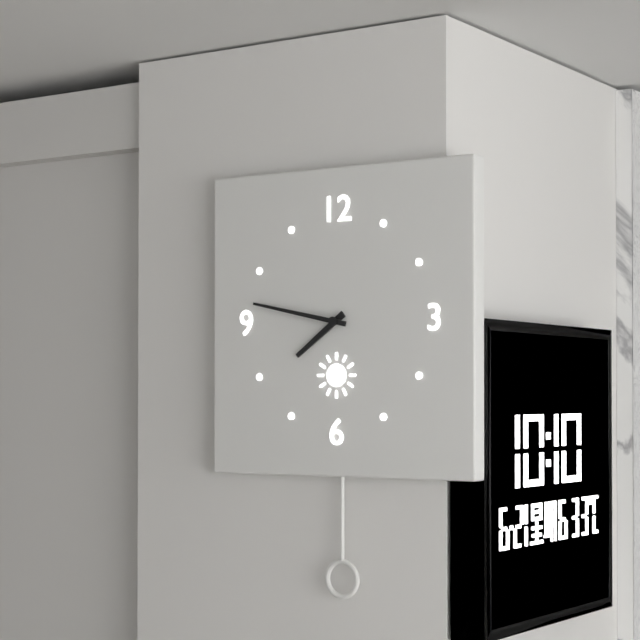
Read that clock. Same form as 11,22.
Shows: 7,47
